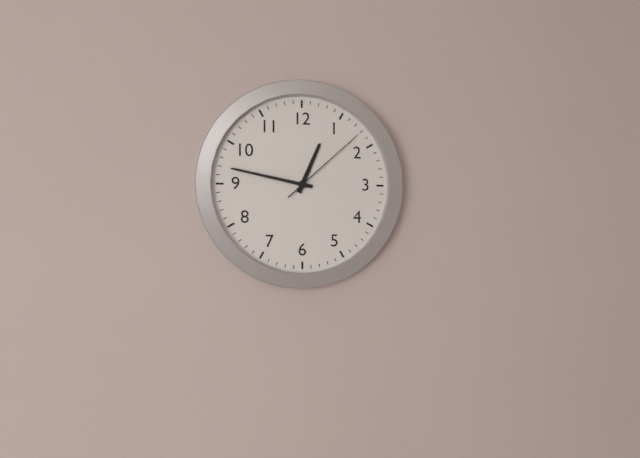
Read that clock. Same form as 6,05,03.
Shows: 12,47,08
